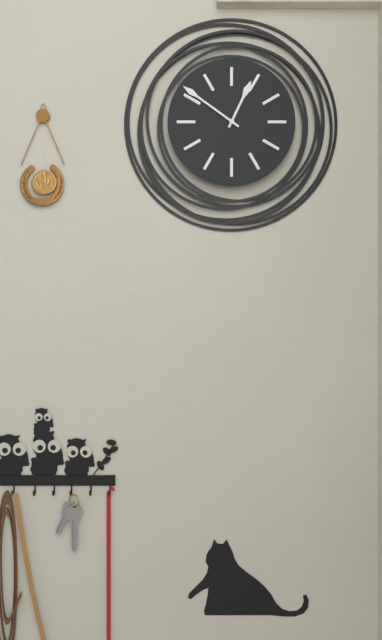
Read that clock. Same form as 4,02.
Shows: 12,51
